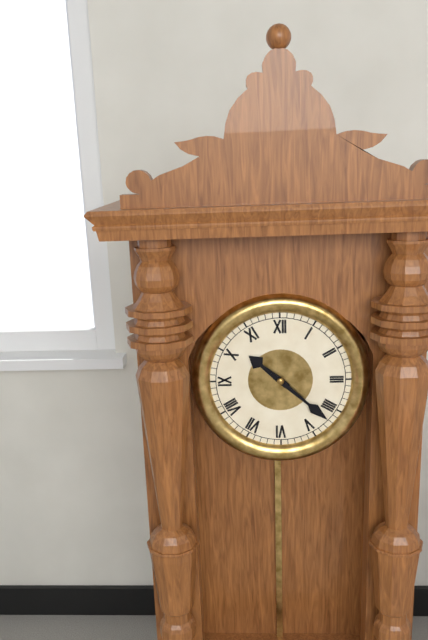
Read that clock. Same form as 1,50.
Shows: 10,22
